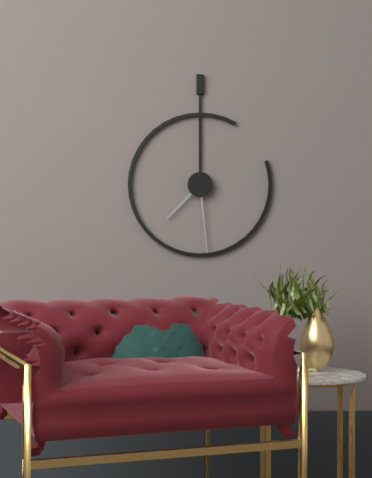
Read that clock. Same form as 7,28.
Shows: 7,29
